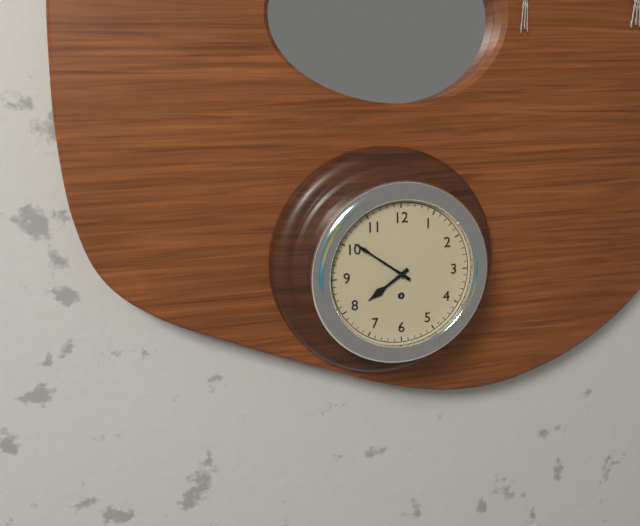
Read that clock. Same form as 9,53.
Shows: 7,51
